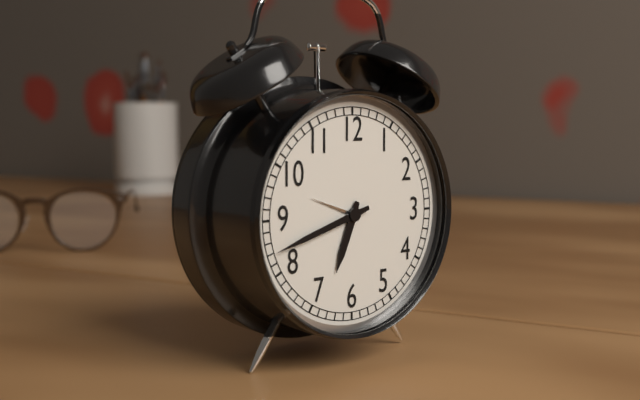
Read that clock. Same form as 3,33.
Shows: 6,42
